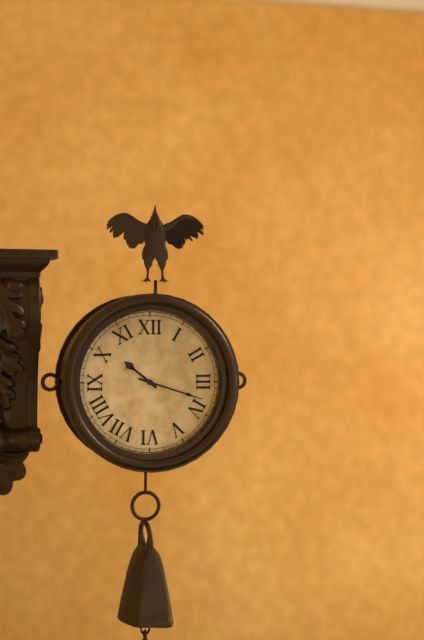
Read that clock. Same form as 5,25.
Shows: 10,18
